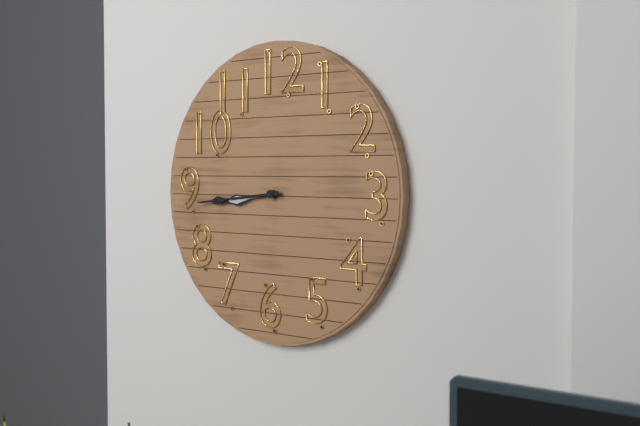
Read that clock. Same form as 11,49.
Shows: 8,44
